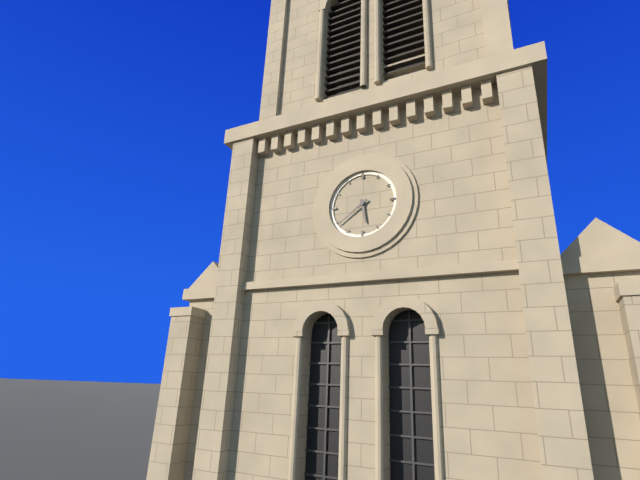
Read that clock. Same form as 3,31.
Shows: 5,39
